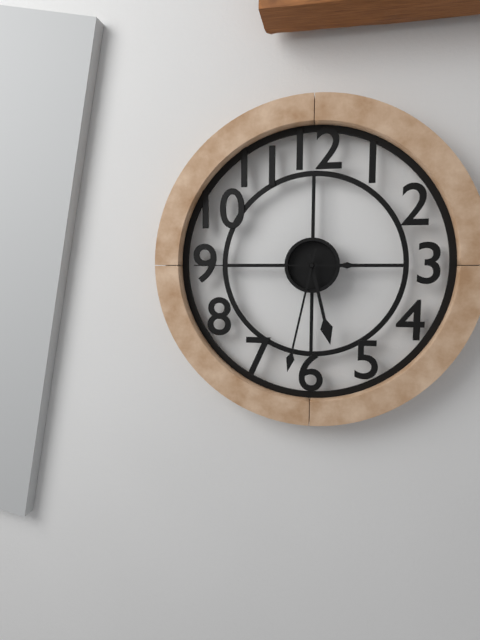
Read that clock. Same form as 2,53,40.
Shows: 5,32,45
